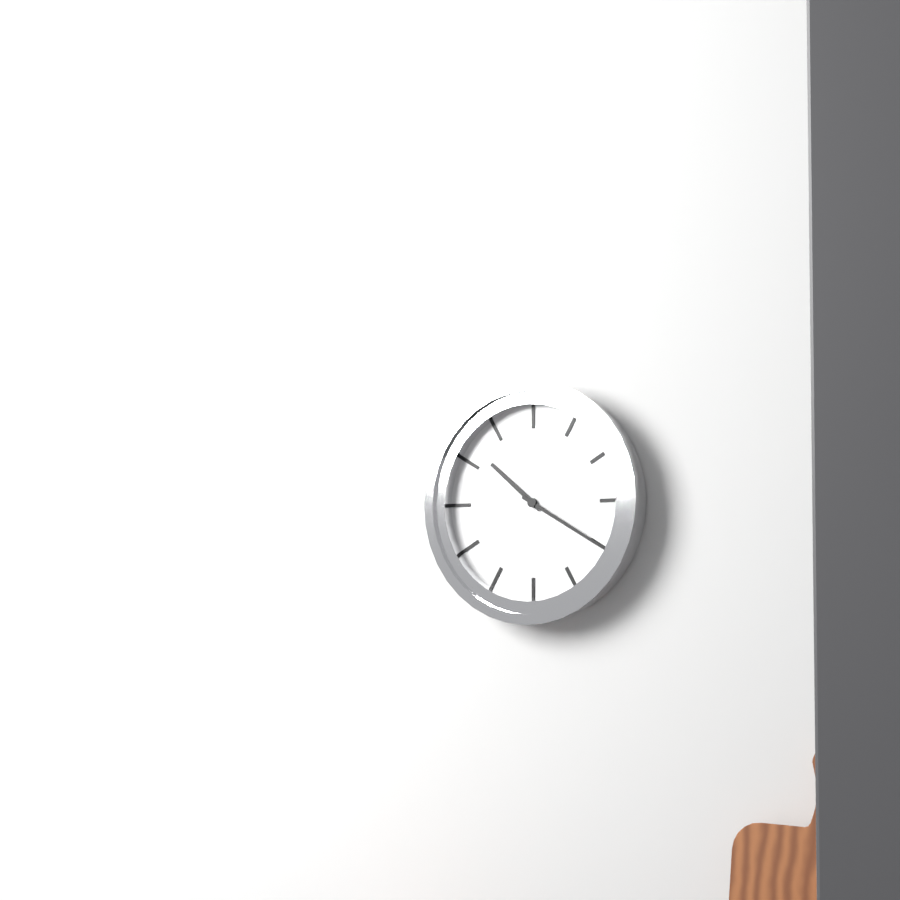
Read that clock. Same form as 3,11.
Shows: 10,20
